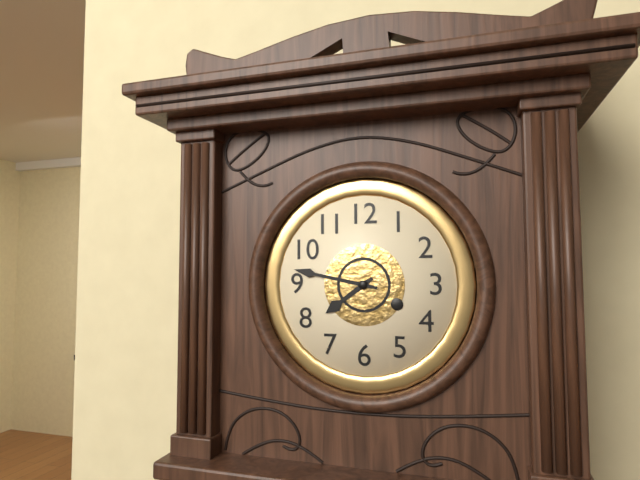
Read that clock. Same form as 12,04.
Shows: 7,47
